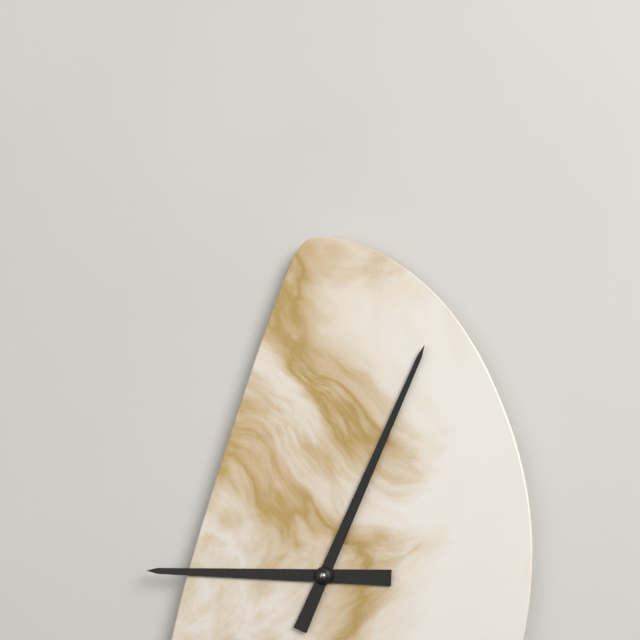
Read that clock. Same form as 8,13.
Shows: 9,04
